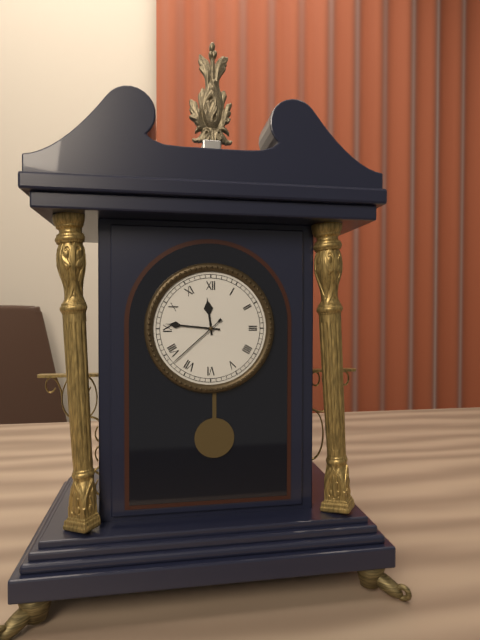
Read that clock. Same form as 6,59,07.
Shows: 11,46,38
